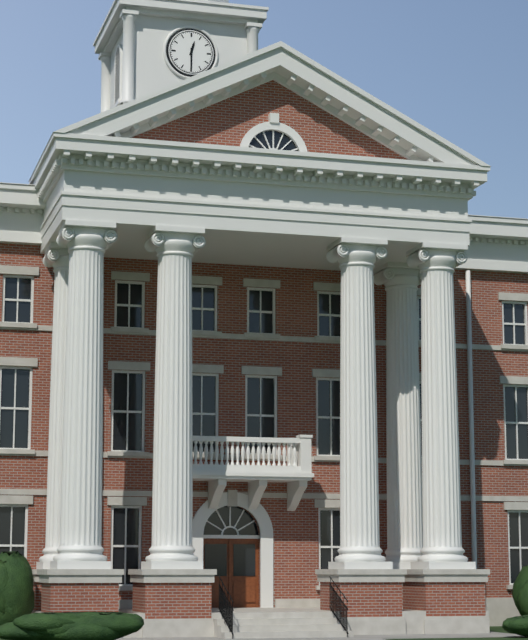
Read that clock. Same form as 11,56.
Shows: 12,30
